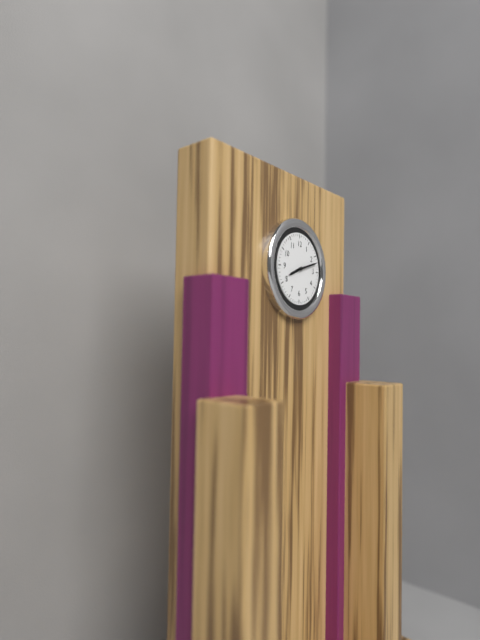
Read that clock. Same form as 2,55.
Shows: 8,12
